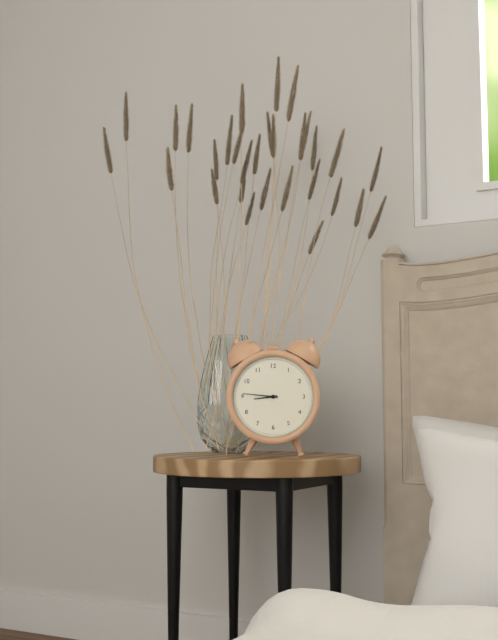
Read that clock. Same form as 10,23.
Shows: 8,46
